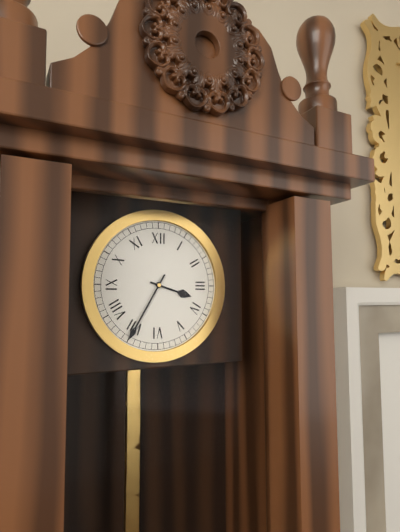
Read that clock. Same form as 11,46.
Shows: 3,35
